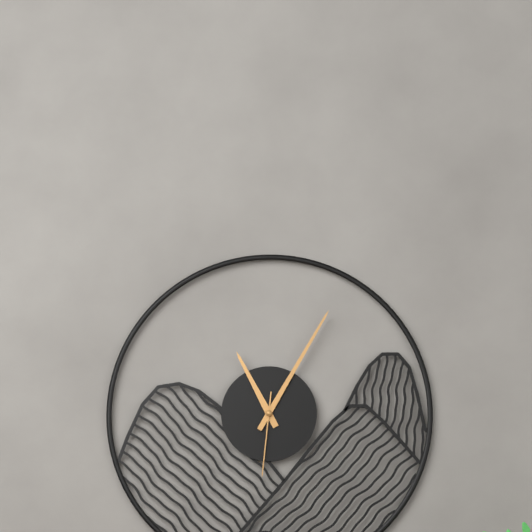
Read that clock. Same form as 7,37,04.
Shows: 11,05,31
